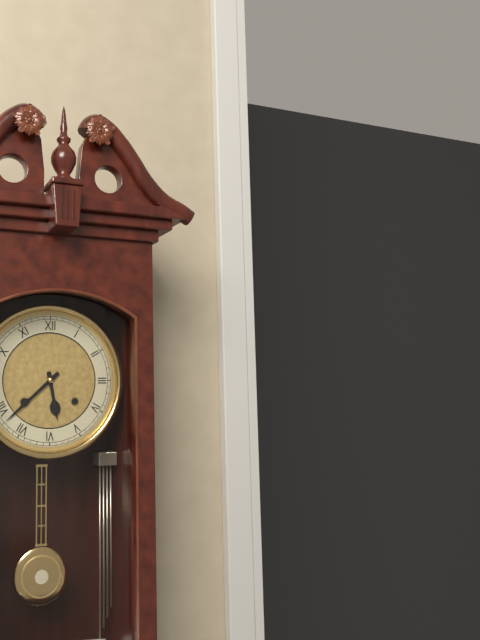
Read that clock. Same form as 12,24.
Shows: 5,38
